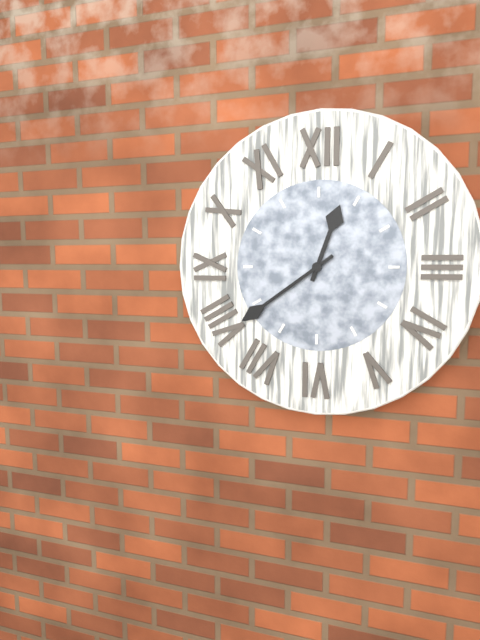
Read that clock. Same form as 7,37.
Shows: 12,39
